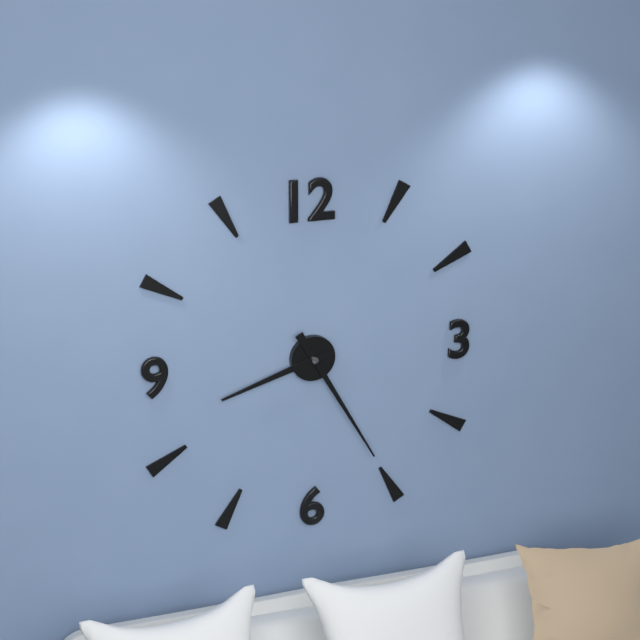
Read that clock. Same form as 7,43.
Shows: 8,25
